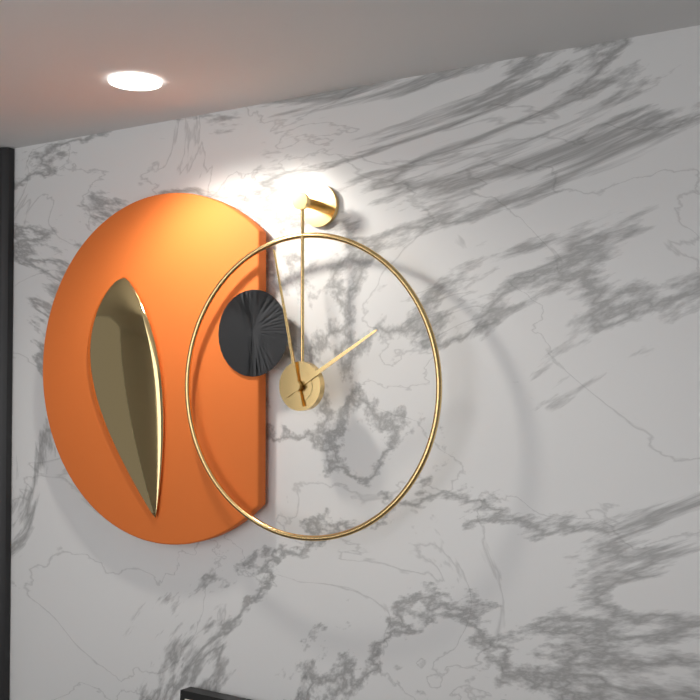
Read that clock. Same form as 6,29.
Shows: 1,58
